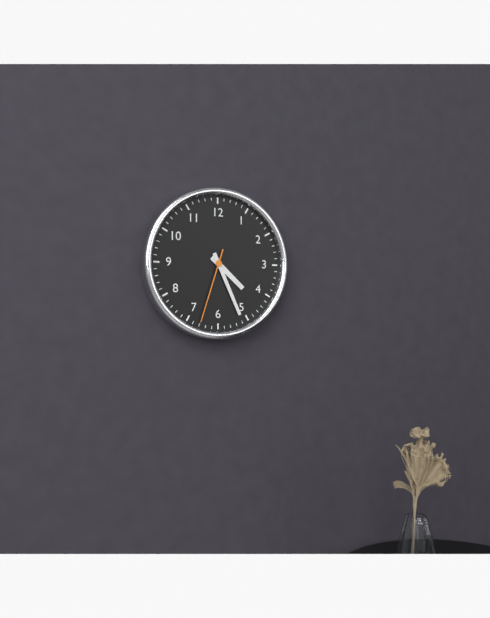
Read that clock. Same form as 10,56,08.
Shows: 4,26,33
